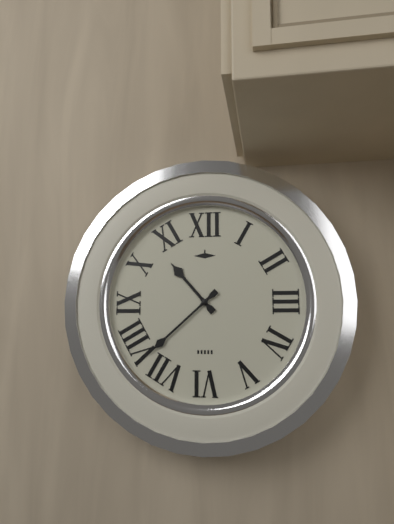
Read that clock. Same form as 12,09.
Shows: 10,38
